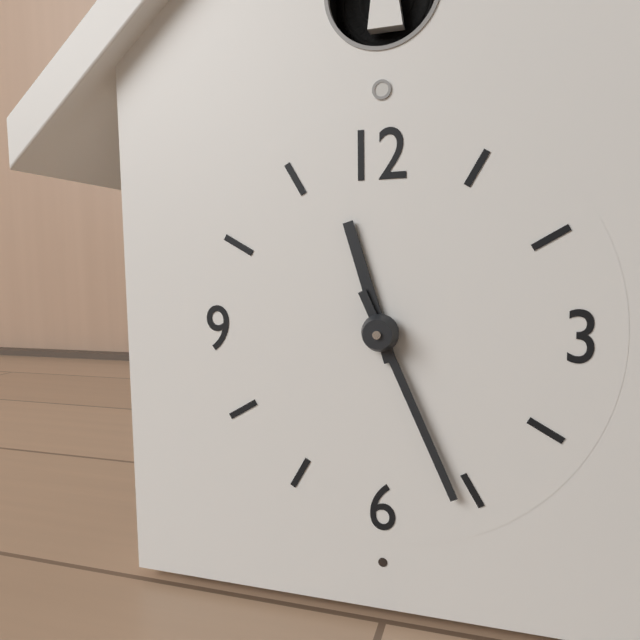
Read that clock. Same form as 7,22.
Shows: 11,26
